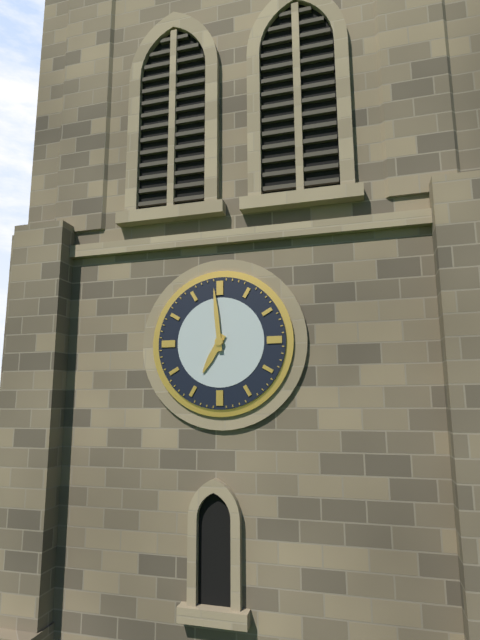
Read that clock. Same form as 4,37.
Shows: 6,59
